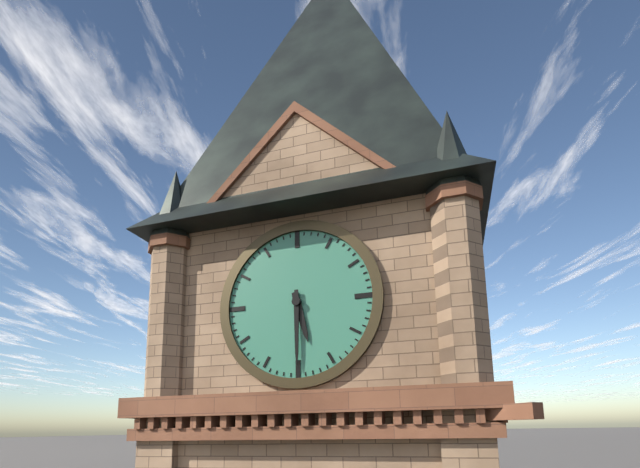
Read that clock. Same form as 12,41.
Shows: 5,30
